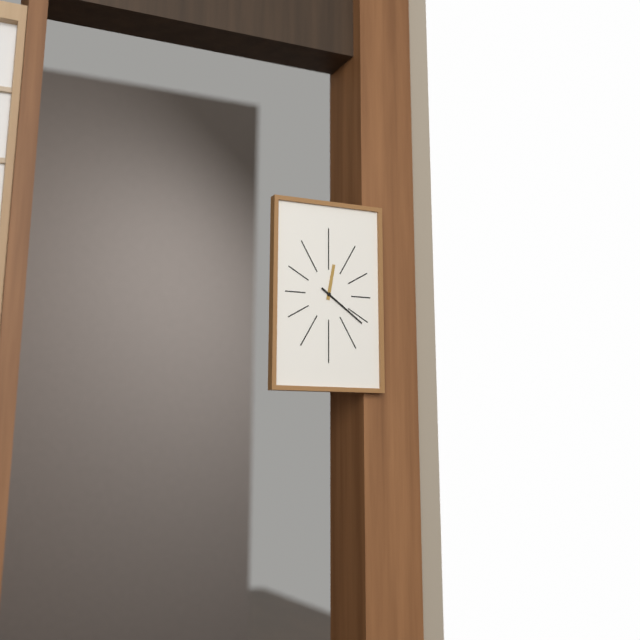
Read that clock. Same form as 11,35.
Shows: 12,21
